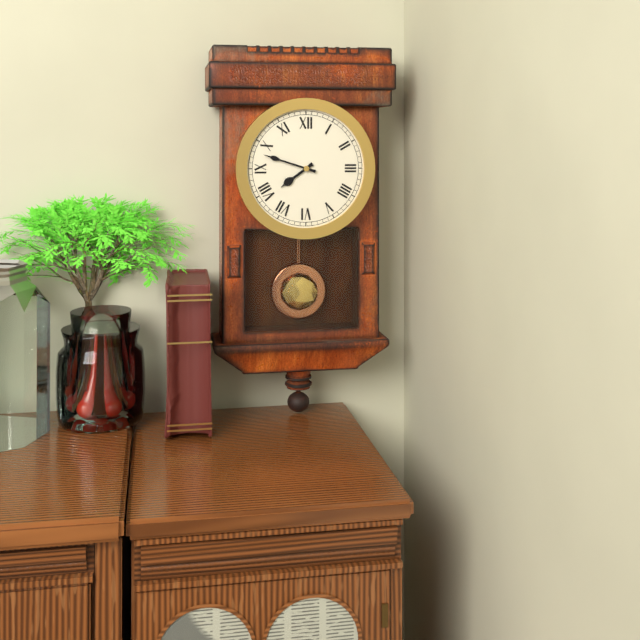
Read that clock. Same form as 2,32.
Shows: 7,48
